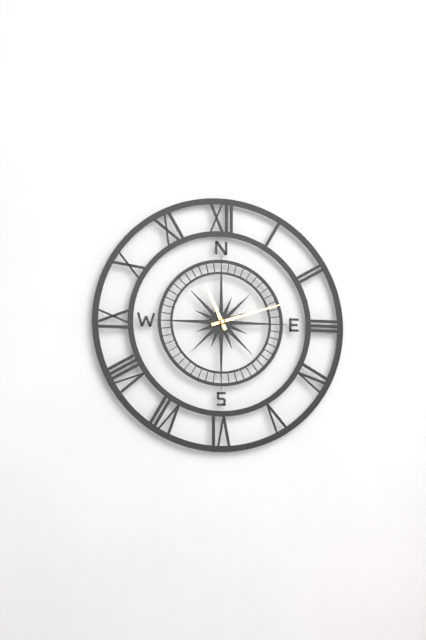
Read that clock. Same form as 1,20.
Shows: 11,12
